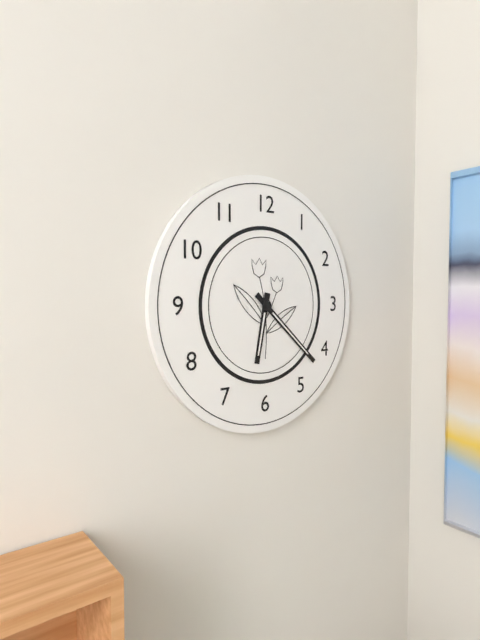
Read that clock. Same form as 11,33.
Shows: 6,22
